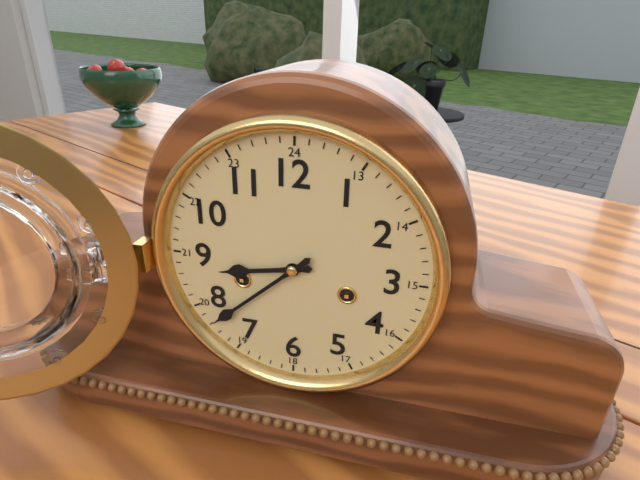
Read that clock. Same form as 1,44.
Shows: 8,38
